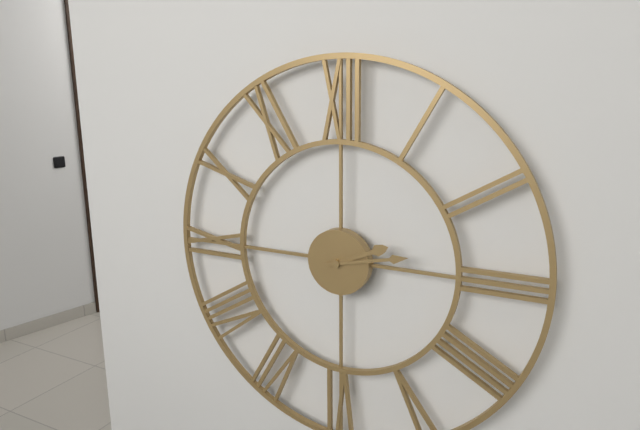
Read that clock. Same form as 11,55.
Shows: 2,13
